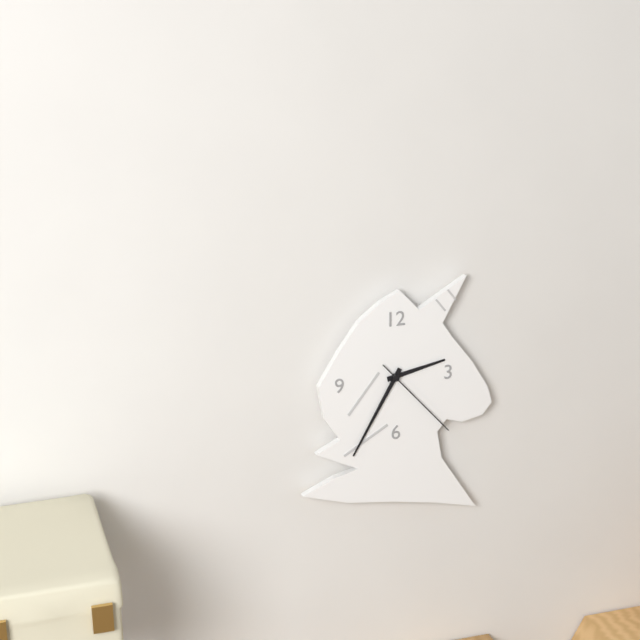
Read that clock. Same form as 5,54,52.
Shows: 2,35,23
